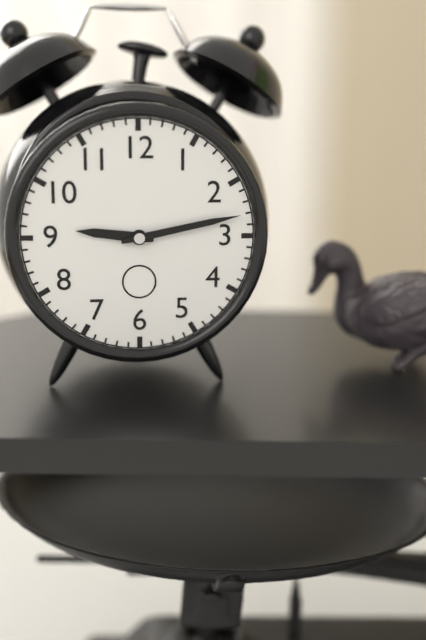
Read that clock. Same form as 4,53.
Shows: 9,13
